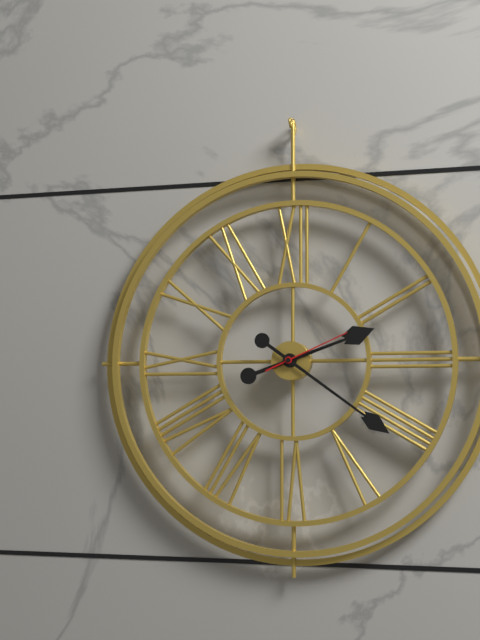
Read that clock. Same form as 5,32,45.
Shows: 2,21,11
